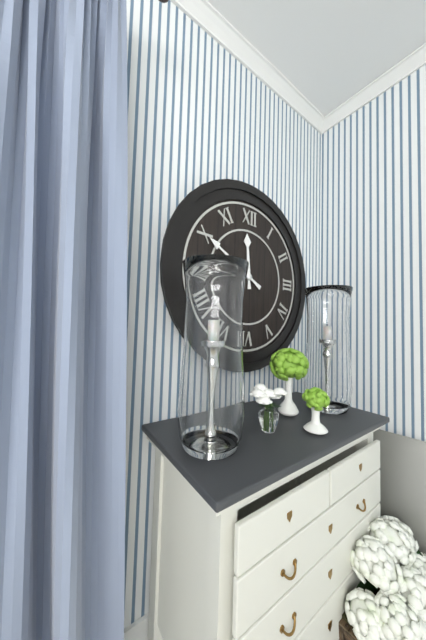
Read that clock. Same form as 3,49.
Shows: 11,50
